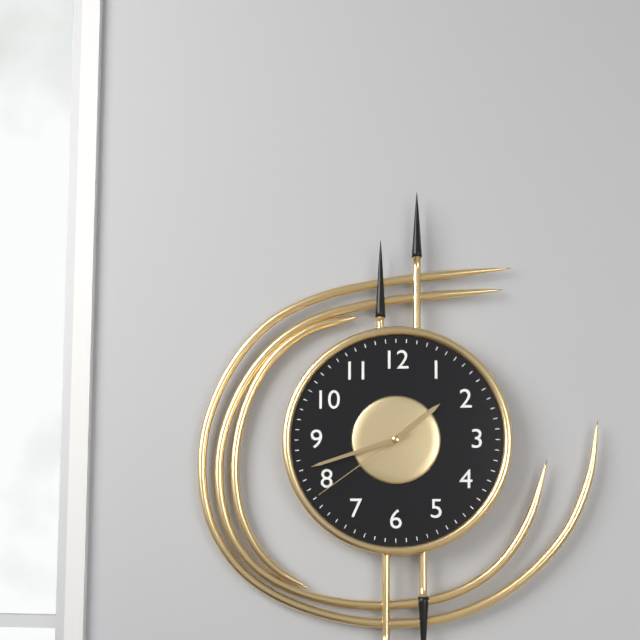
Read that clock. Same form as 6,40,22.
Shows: 1,42,39
